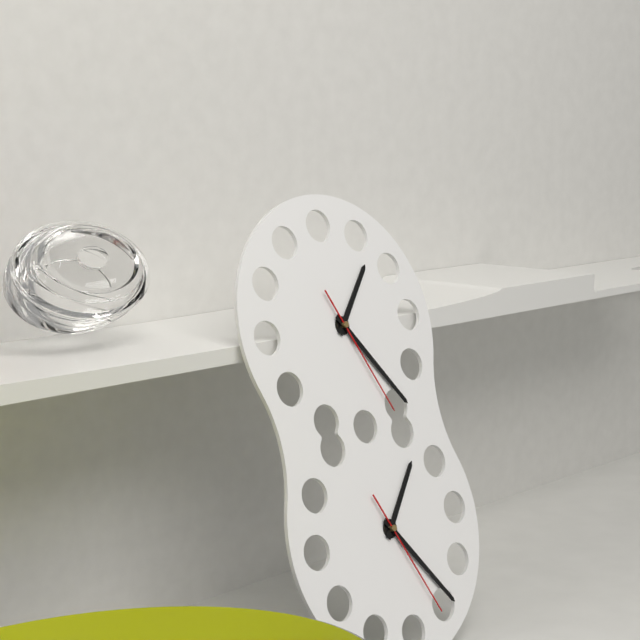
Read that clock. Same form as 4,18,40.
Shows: 1,24,26
